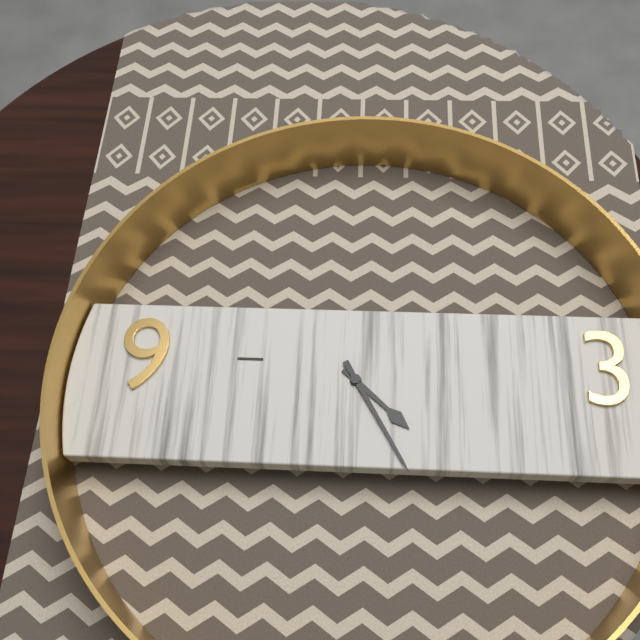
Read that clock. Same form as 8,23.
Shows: 4,25
